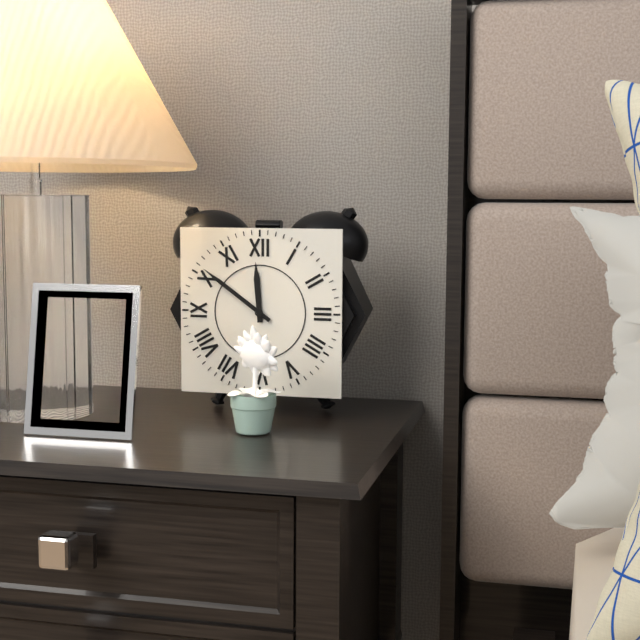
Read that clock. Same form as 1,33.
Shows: 11,51
